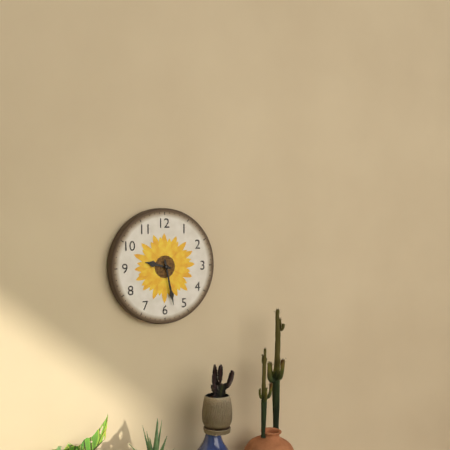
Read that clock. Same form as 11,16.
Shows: 9,28
